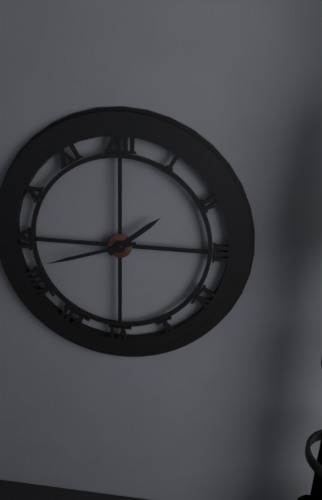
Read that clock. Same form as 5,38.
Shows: 1,42
